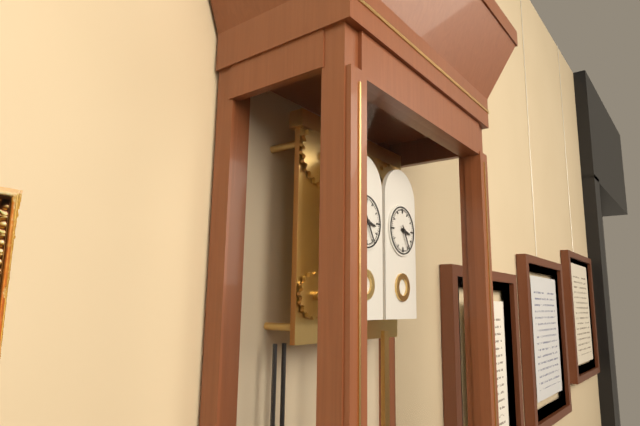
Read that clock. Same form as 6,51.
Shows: 3,25
